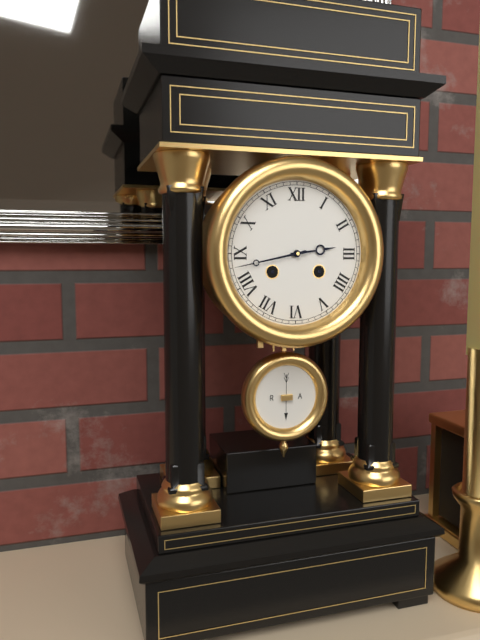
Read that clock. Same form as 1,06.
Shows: 2,43
